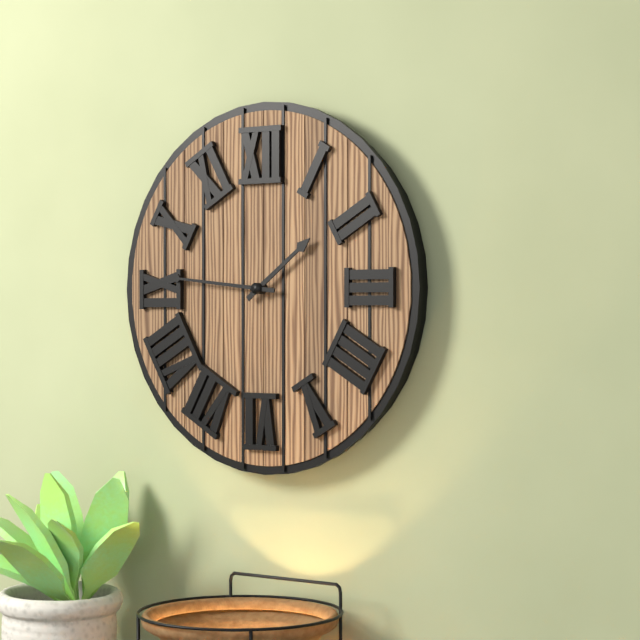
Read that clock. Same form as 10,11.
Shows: 1,46
